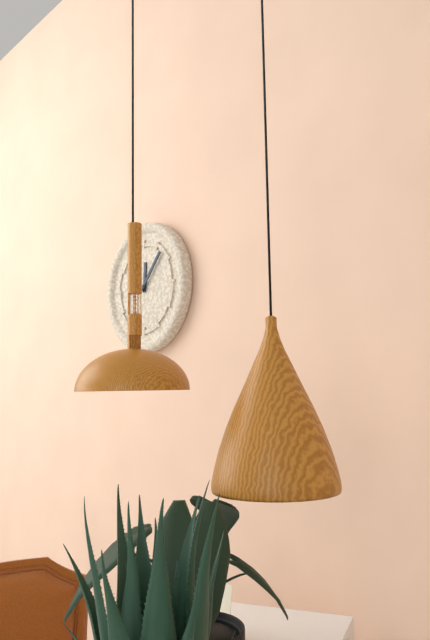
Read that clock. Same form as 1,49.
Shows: 12,07
